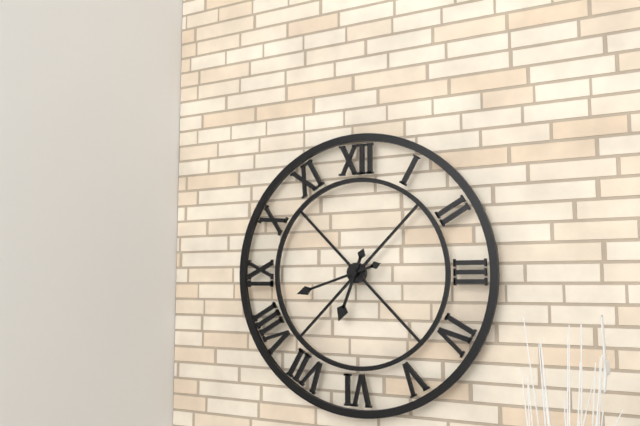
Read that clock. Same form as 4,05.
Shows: 6,42
